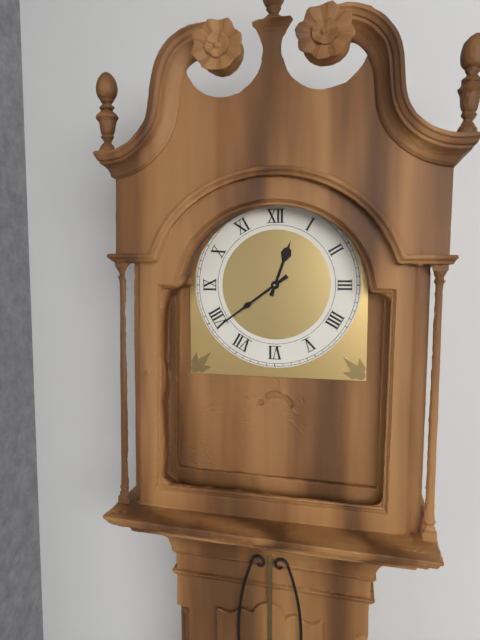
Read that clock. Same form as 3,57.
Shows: 12,39
